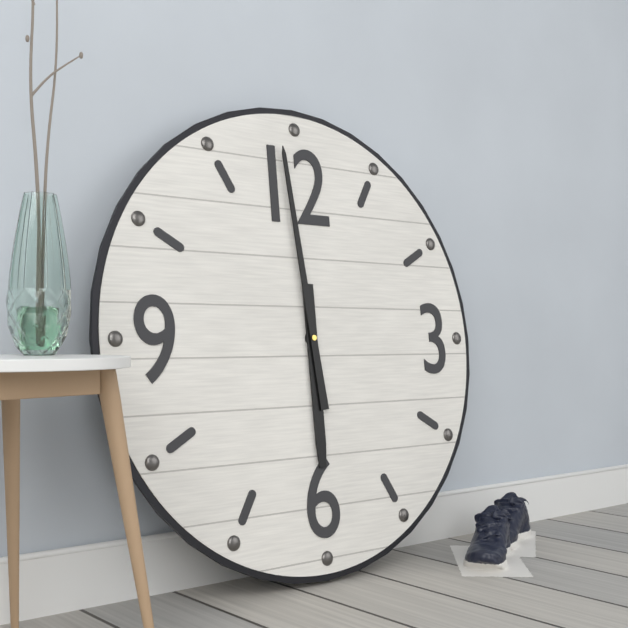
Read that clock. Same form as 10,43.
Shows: 5,59
